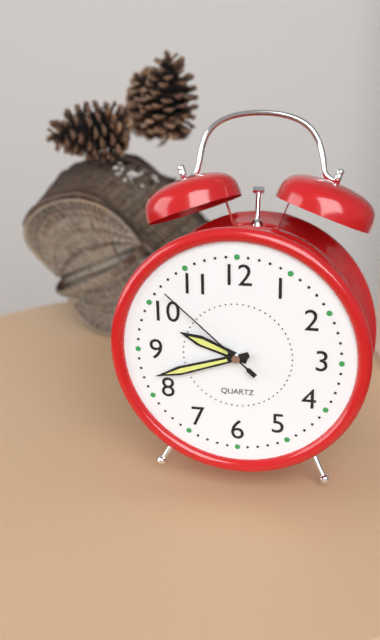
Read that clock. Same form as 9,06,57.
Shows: 9,42,52
